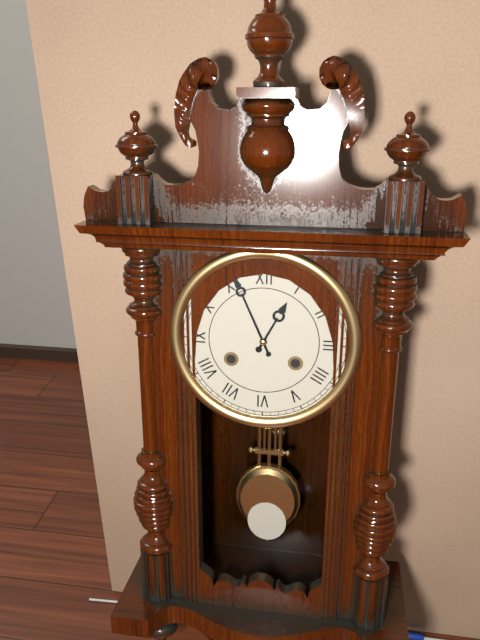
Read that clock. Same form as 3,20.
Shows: 12,56
